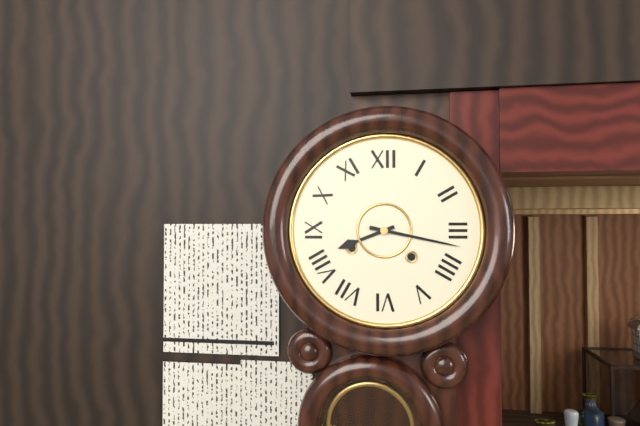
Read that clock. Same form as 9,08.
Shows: 8,17
